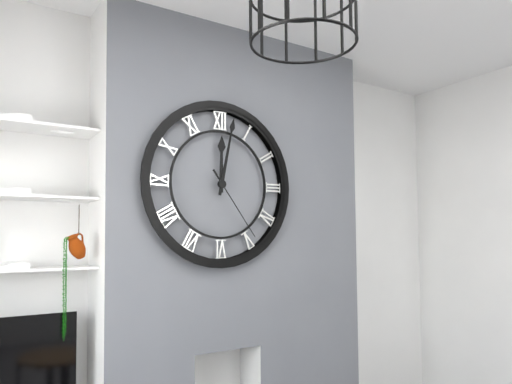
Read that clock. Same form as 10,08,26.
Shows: 12,02,24
